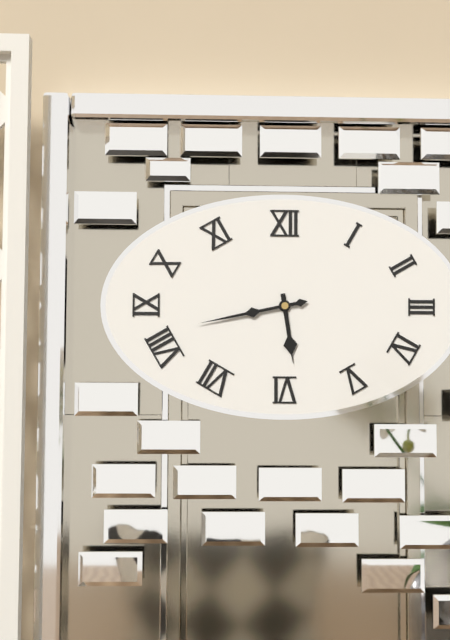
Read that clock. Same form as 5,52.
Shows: 5,43
